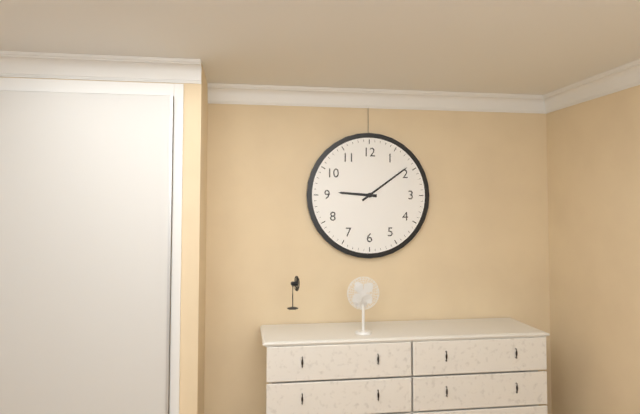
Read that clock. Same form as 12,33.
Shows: 9,09
